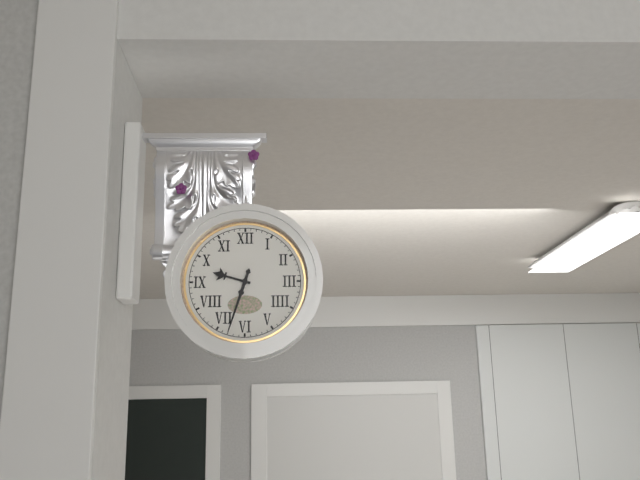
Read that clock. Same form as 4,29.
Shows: 9,33
